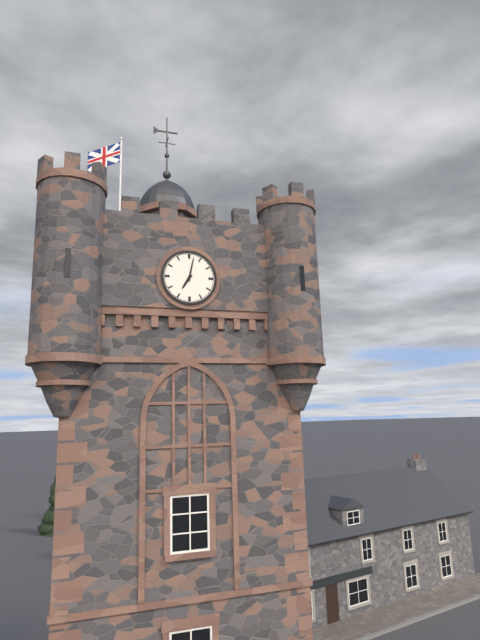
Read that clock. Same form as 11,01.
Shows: 7,02
